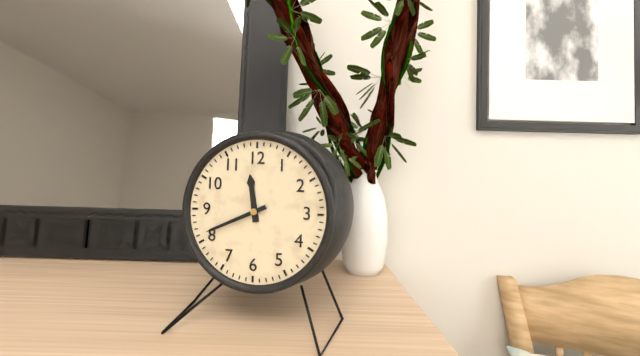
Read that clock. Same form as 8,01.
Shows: 11,41
